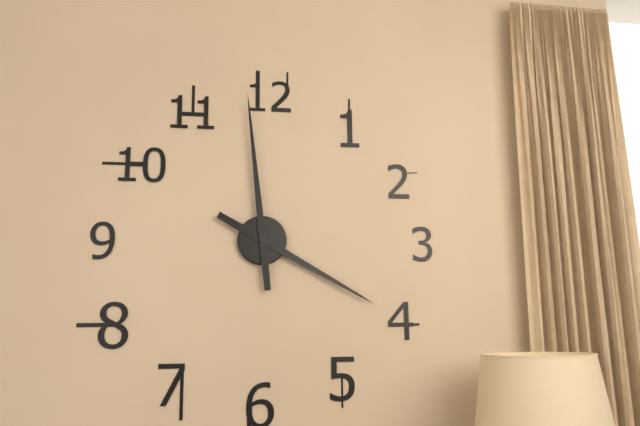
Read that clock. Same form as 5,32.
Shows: 3,59
